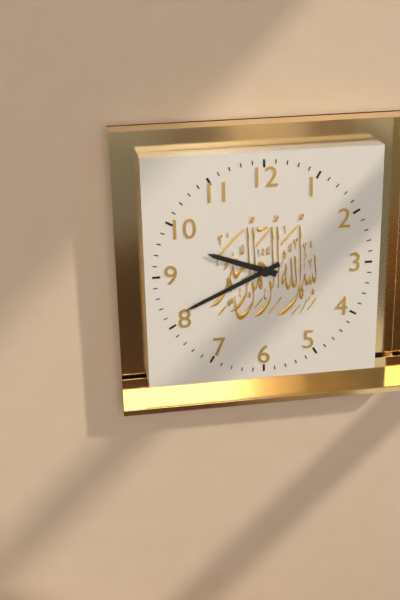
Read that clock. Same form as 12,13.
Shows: 9,41
